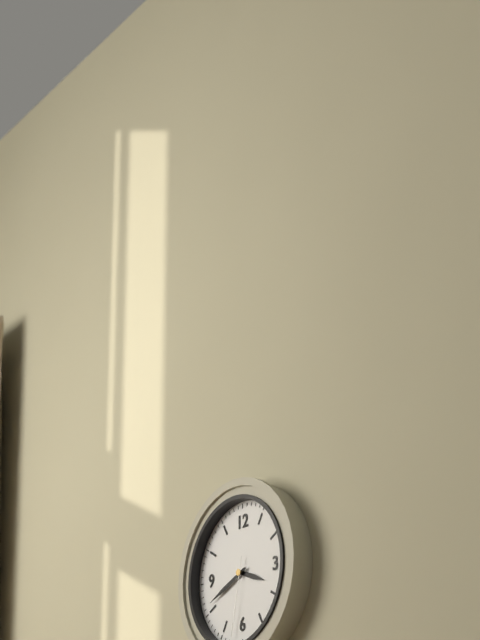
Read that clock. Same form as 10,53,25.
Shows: 3,41,32
